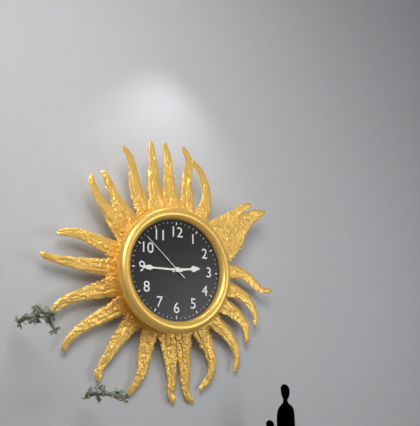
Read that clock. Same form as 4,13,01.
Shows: 2,45,52
